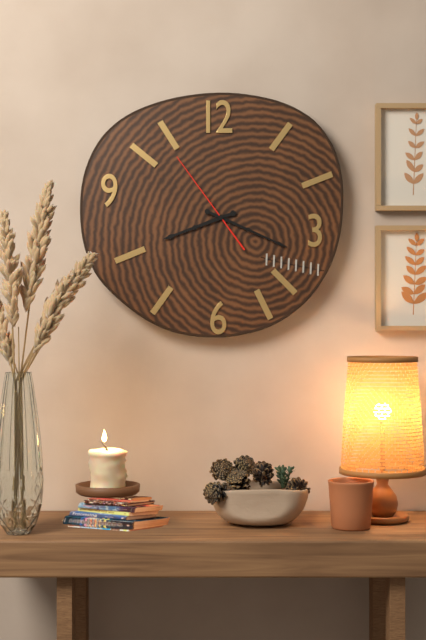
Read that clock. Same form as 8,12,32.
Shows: 8,19,54
